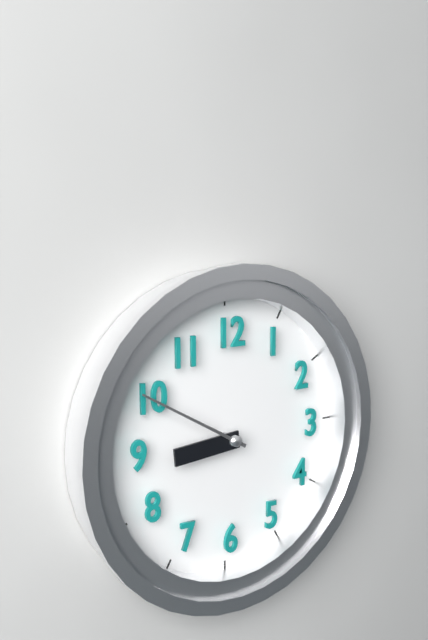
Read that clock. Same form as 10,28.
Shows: 8,50
